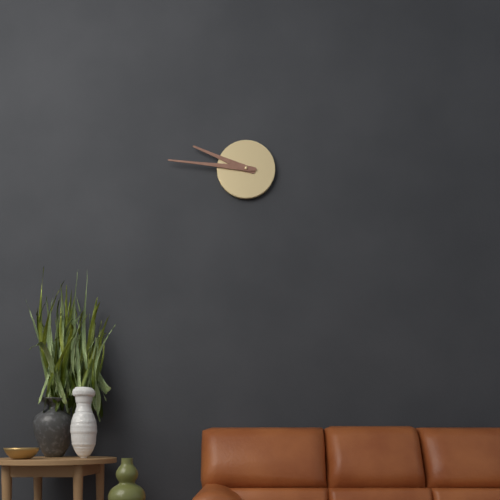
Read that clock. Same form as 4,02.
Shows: 9,46
